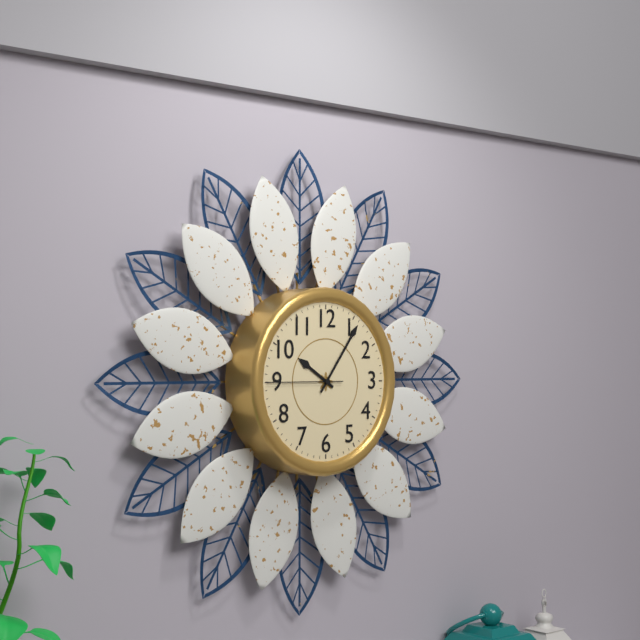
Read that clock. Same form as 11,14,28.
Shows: 10,06,45
